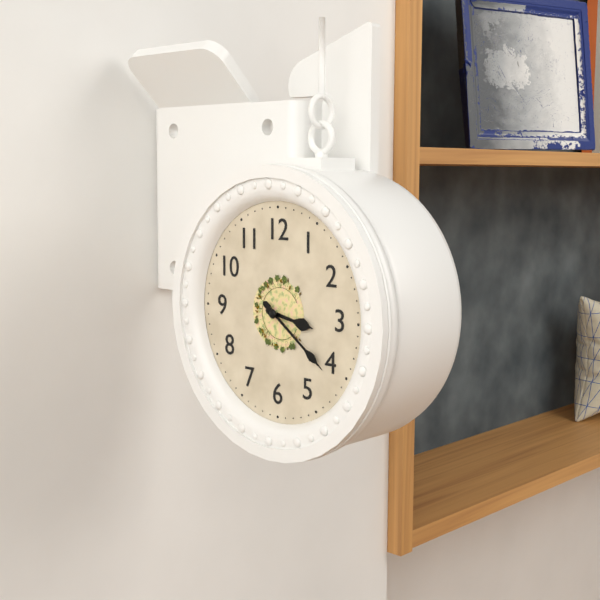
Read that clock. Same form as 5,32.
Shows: 3,21
